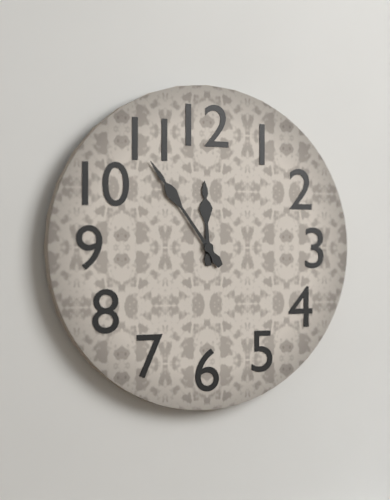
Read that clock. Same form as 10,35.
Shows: 11,54
